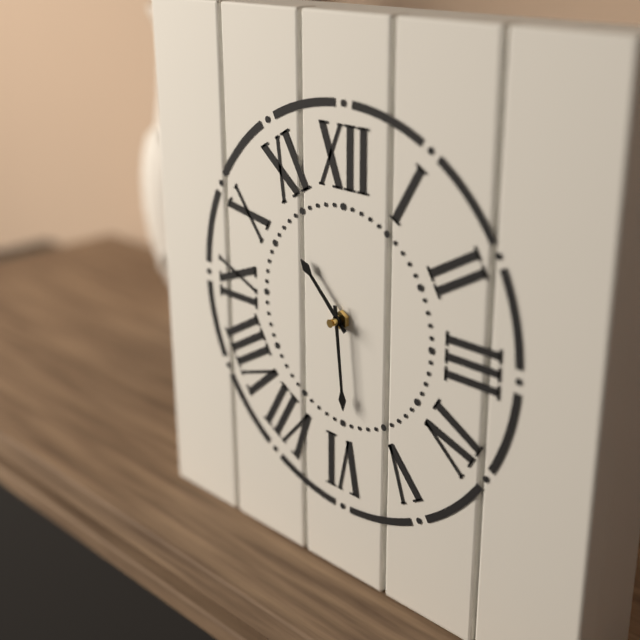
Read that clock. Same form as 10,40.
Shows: 10,29
